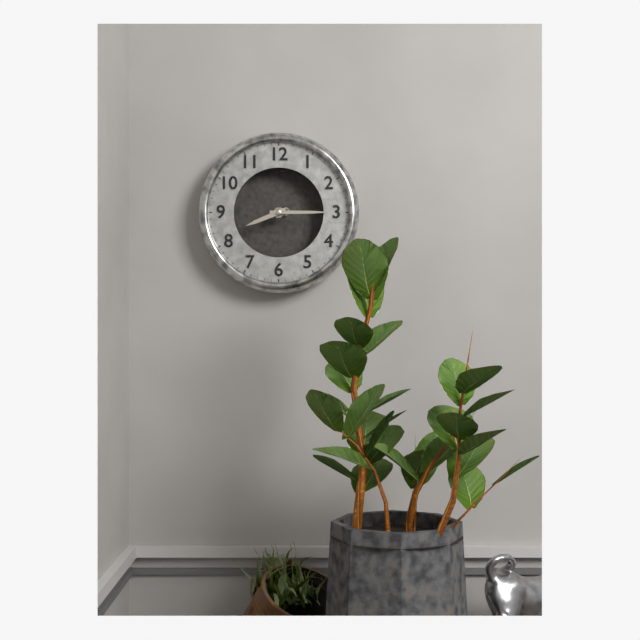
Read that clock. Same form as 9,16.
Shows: 8,15
